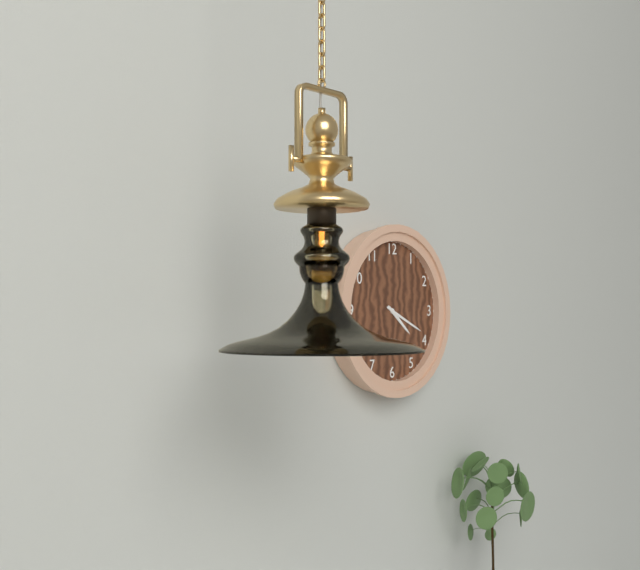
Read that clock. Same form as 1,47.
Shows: 4,19
